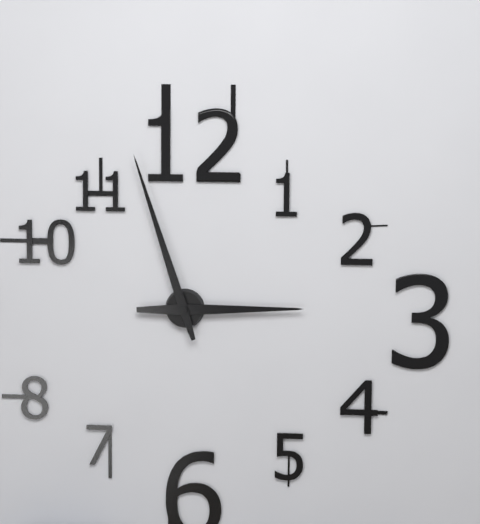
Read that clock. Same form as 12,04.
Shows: 2,57
